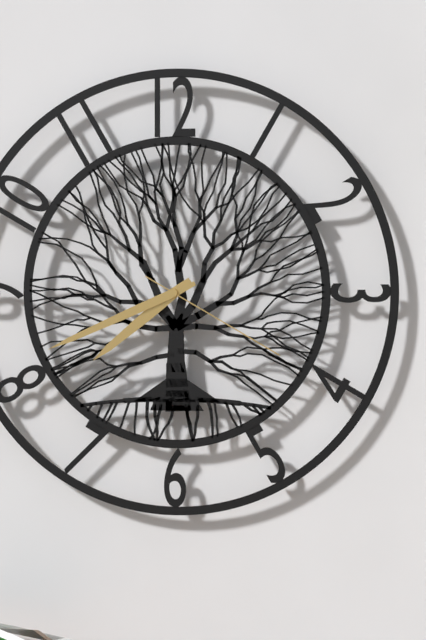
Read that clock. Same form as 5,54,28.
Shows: 7,41,20
